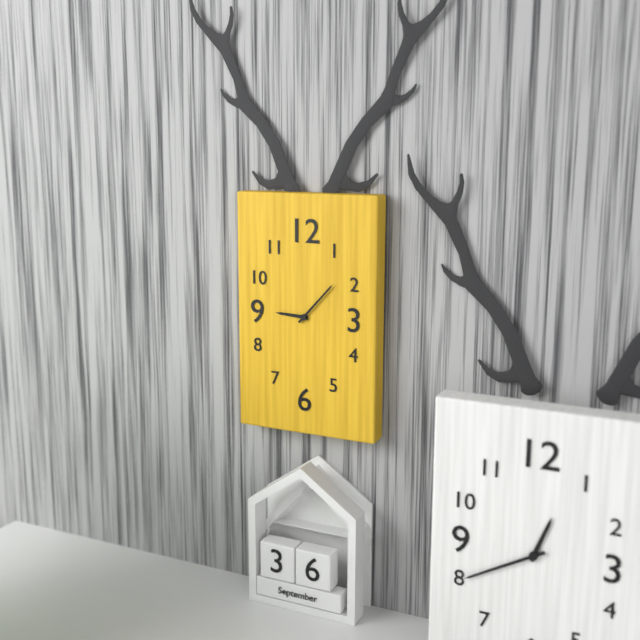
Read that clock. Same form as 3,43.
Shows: 9,07
